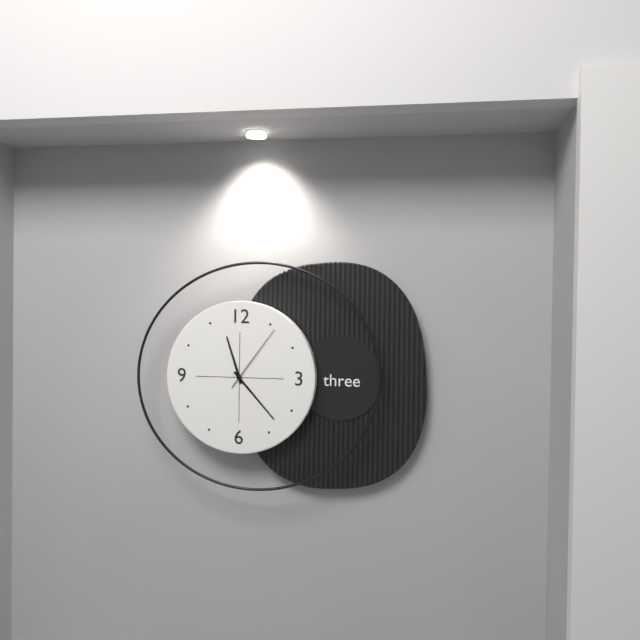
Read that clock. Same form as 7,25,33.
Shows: 11,23,06
